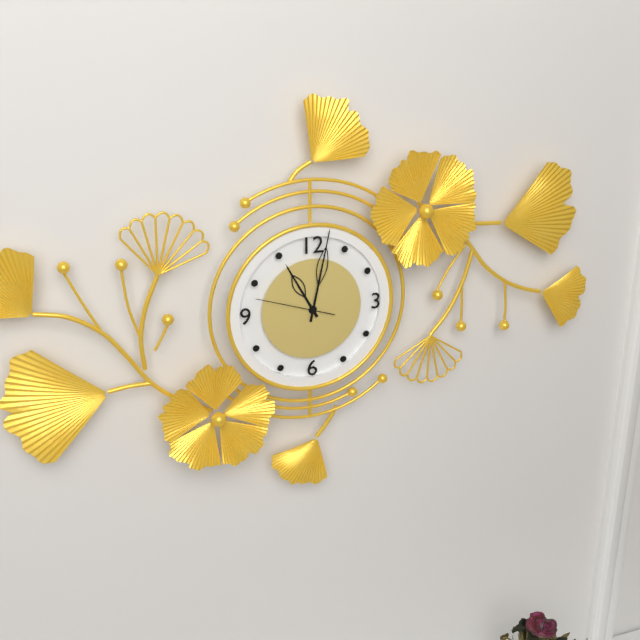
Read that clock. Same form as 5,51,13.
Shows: 11,02,48
